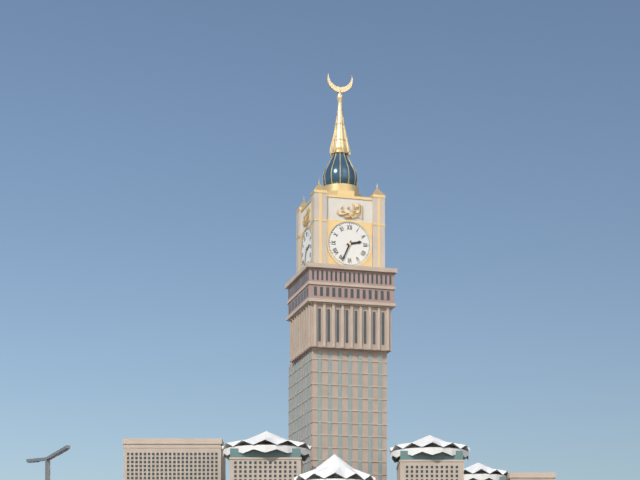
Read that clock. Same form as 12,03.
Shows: 2,34
